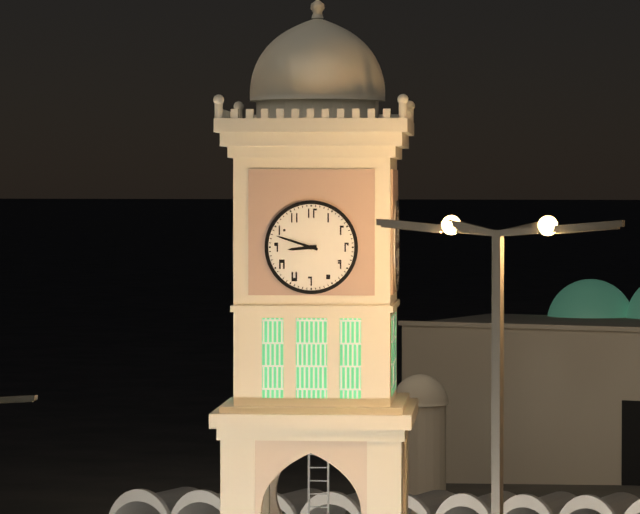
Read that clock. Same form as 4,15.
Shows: 8,48
